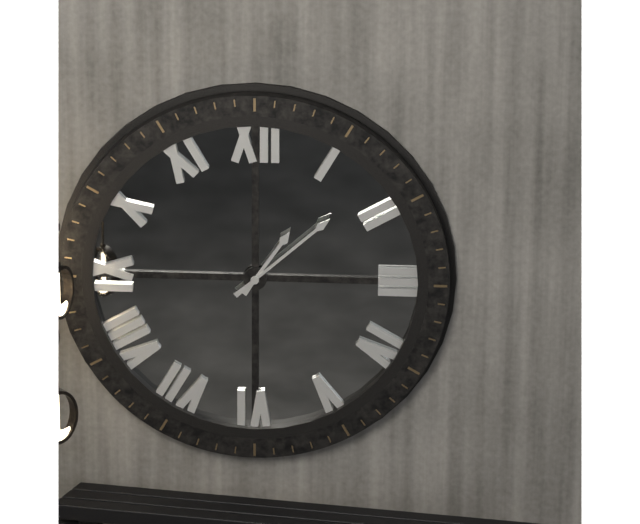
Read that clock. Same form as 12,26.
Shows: 1,08
